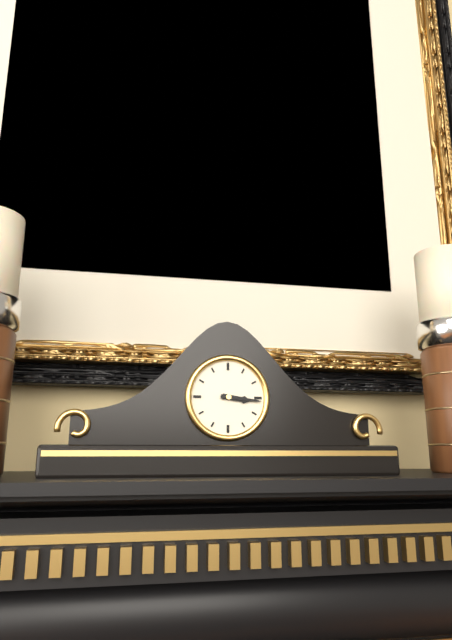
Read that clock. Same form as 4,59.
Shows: 3,16
